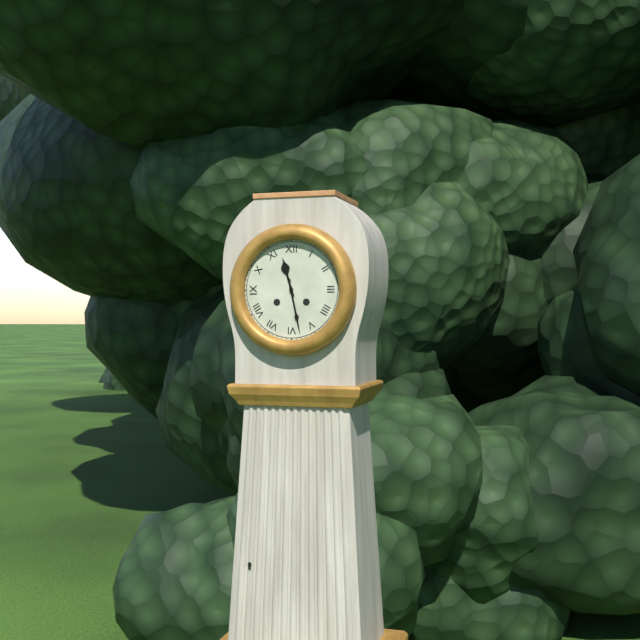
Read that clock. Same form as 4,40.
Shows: 11,28
